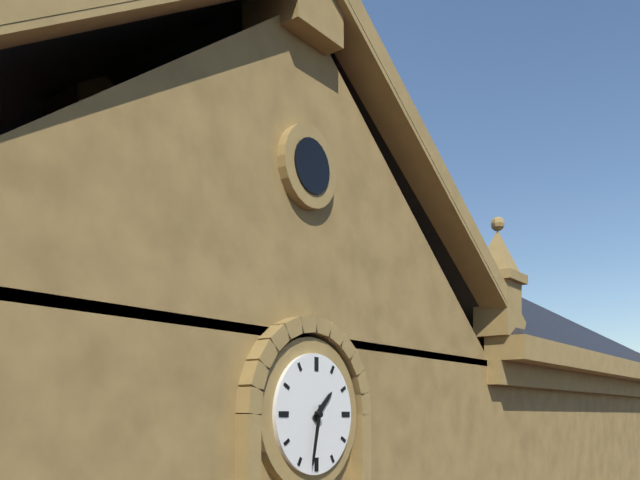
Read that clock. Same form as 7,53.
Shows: 1,32
